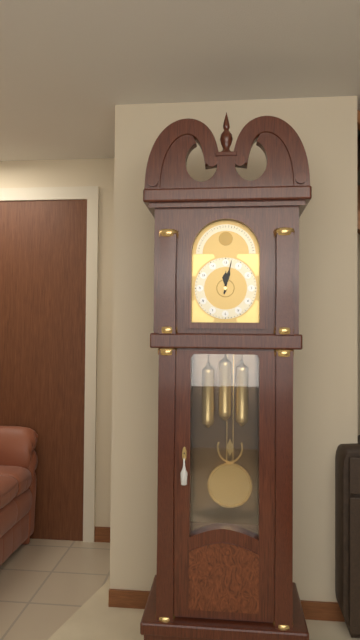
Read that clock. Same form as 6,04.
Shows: 12,02
